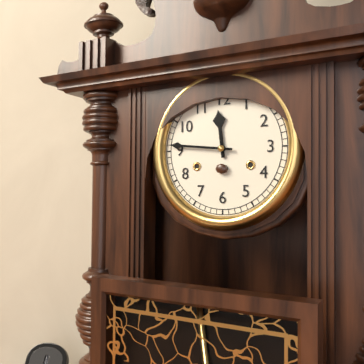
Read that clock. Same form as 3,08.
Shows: 11,46
